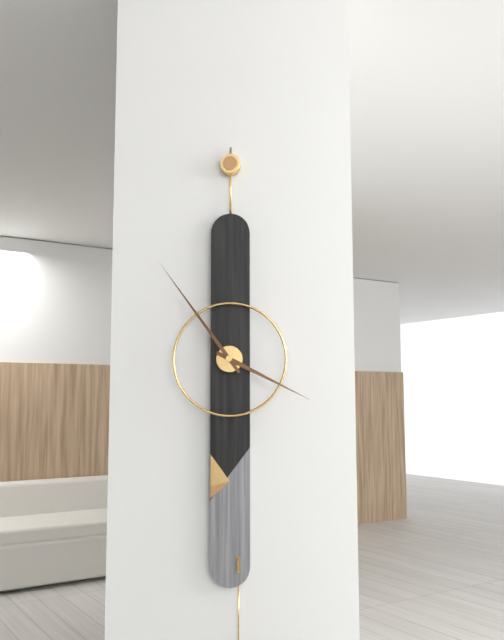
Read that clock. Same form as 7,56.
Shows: 3,54
